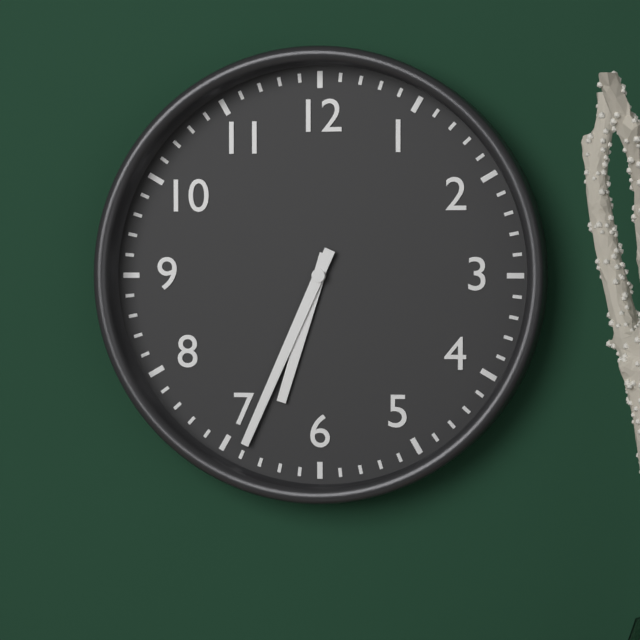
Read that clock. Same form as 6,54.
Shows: 6,34
